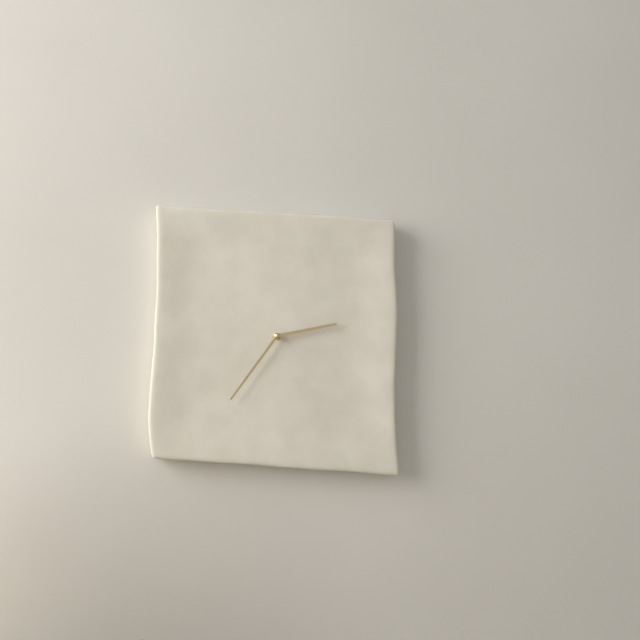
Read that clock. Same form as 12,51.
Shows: 2,36
